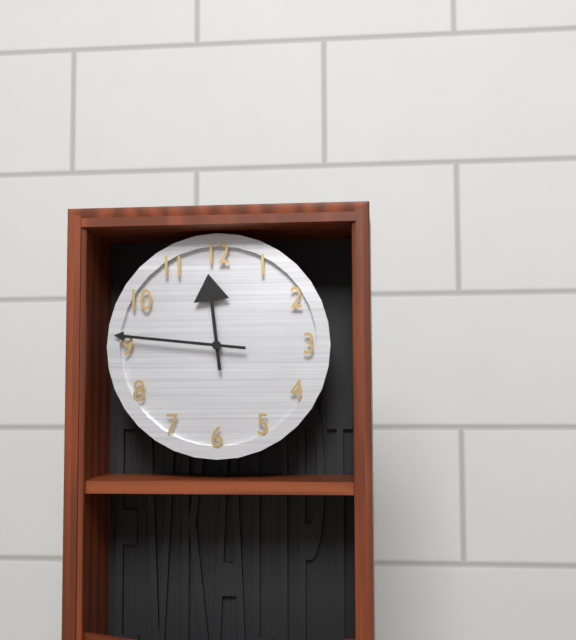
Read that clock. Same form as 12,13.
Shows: 11,46
